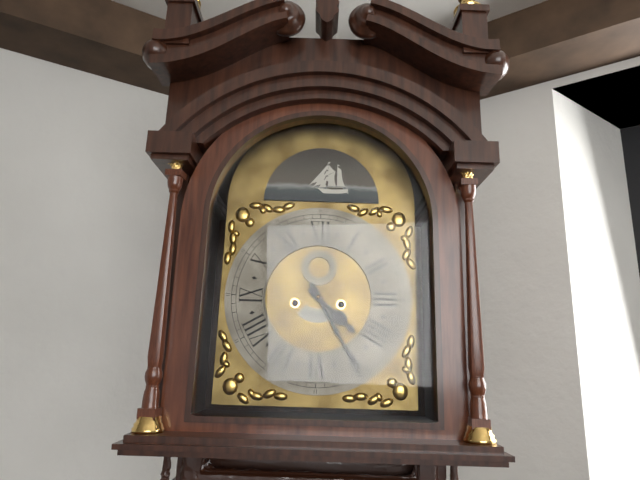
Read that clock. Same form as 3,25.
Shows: 4,25
